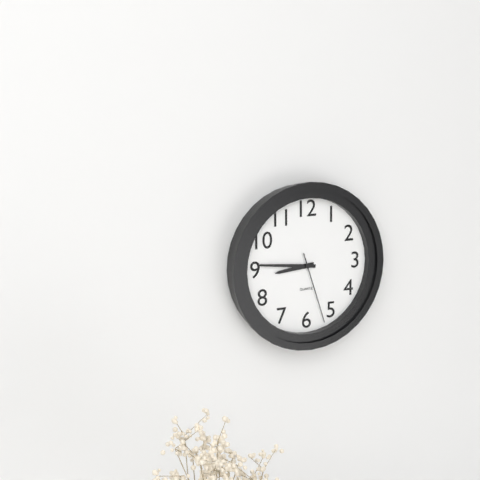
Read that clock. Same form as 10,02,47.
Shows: 8,46,27
